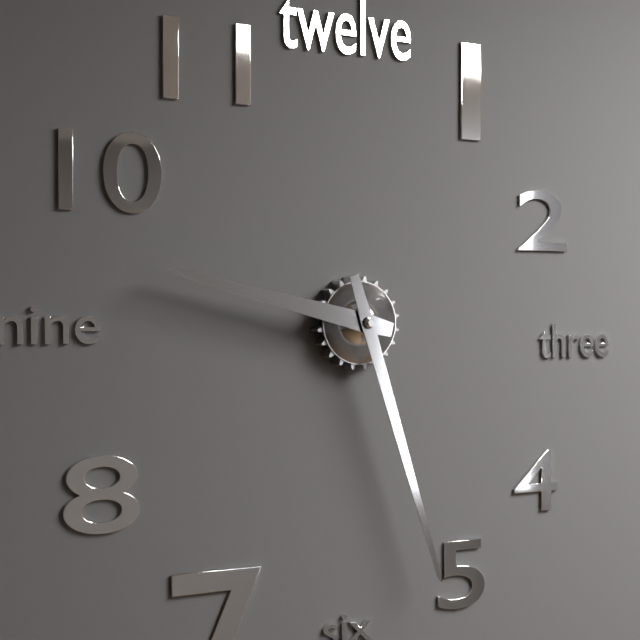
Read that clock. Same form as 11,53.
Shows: 9,27
